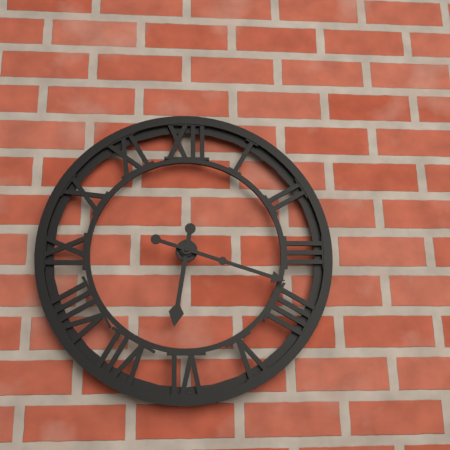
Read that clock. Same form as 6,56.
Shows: 6,18
